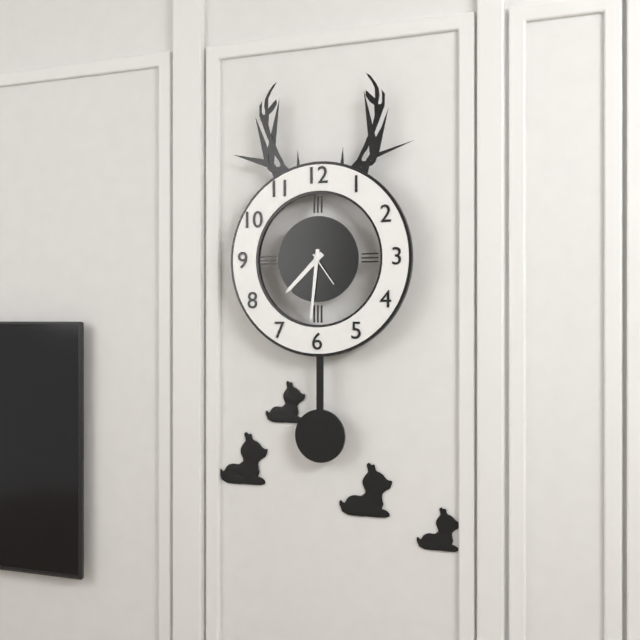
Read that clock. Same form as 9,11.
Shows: 7,31
